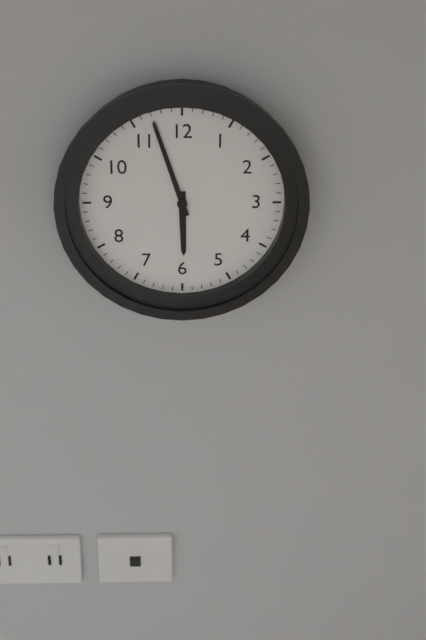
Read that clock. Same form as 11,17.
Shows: 5,57
